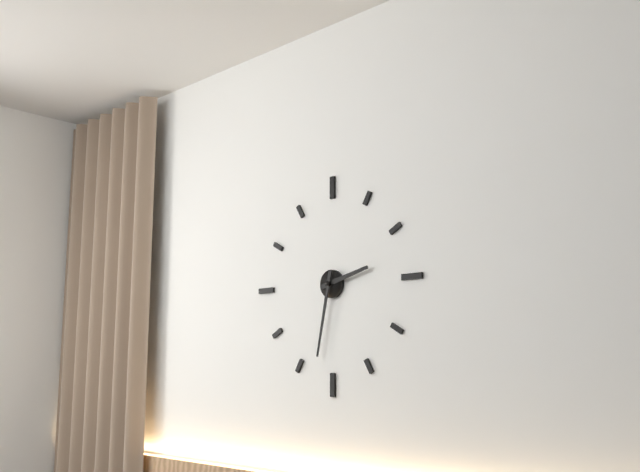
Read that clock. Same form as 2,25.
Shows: 2,32
